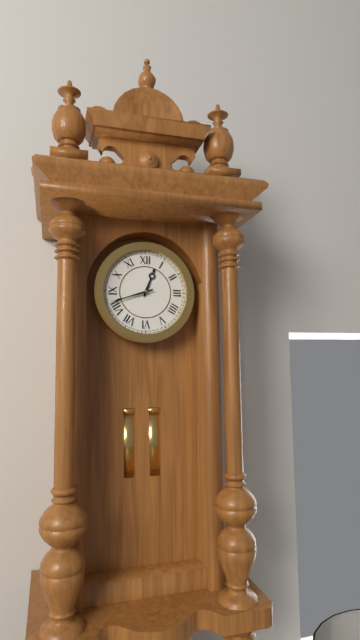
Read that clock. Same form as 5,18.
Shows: 12,42
